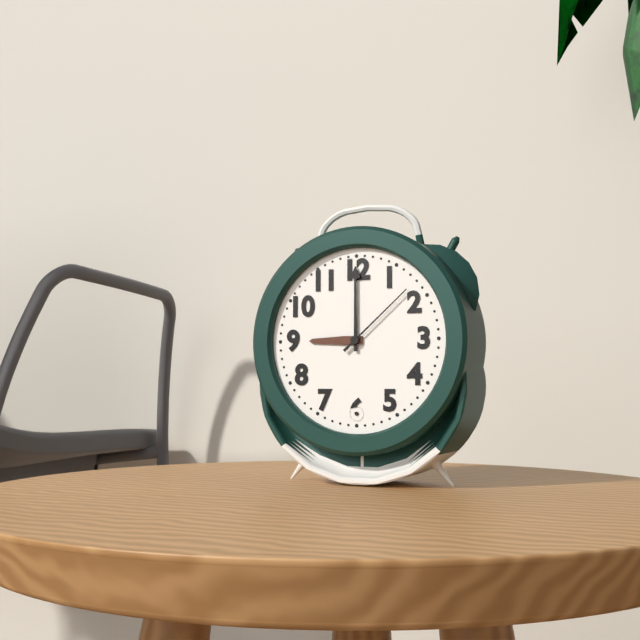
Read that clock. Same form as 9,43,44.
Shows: 9,00,08
